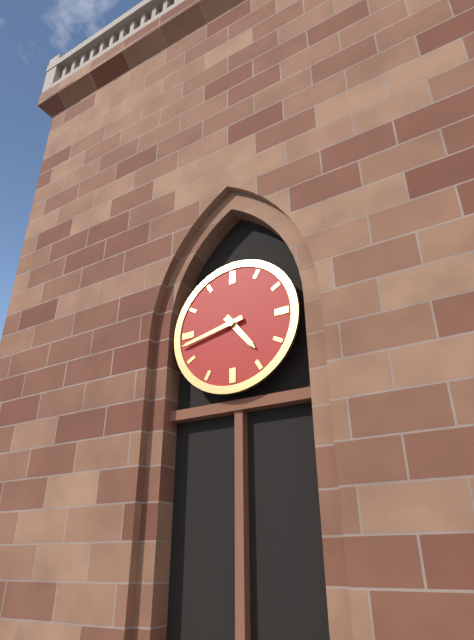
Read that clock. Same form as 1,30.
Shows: 4,43
